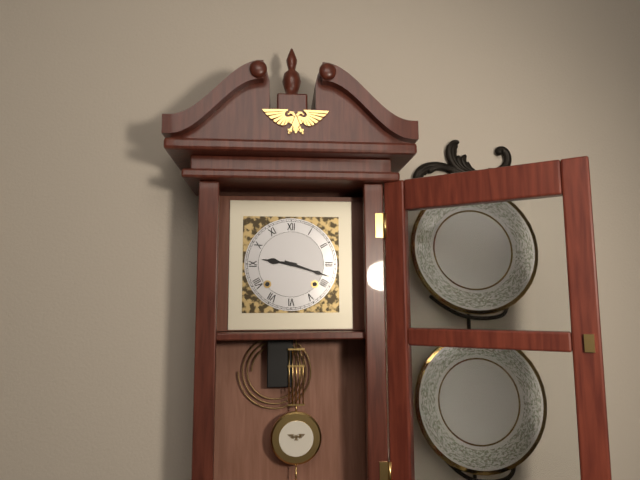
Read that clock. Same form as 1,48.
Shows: 9,18
